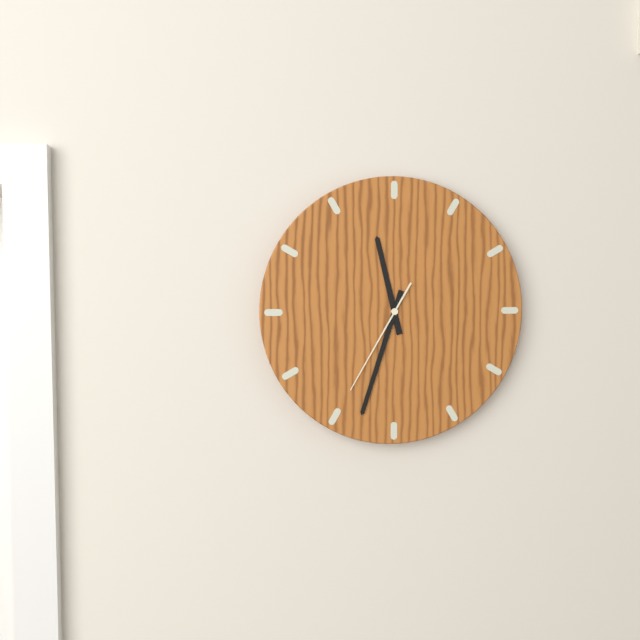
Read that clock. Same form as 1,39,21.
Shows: 11,33,35
